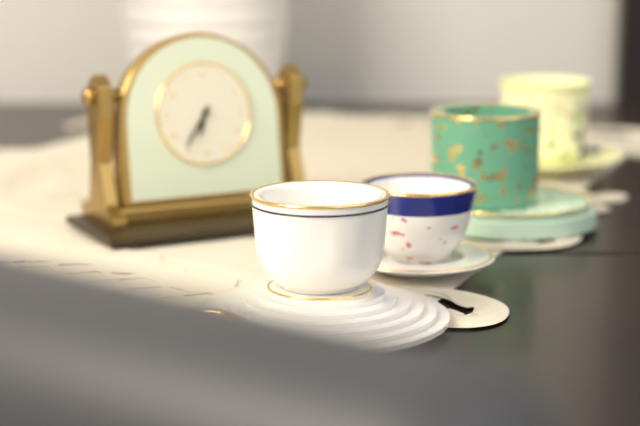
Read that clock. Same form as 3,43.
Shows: 6,36
